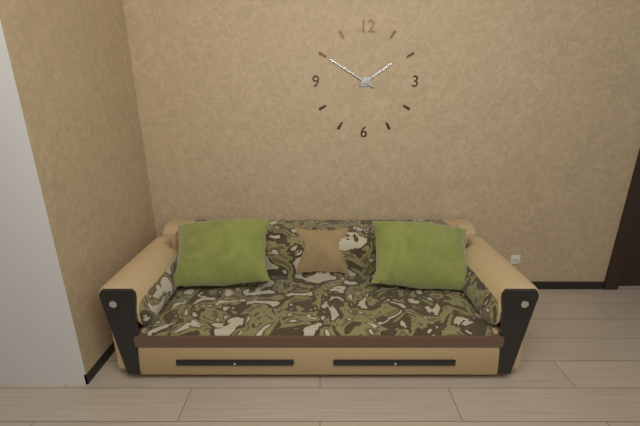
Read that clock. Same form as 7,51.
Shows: 1,50
